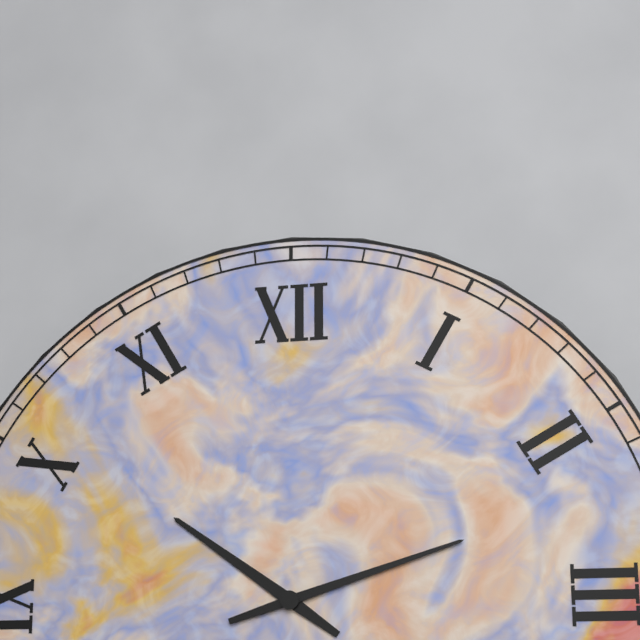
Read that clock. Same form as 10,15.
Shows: 10,12
